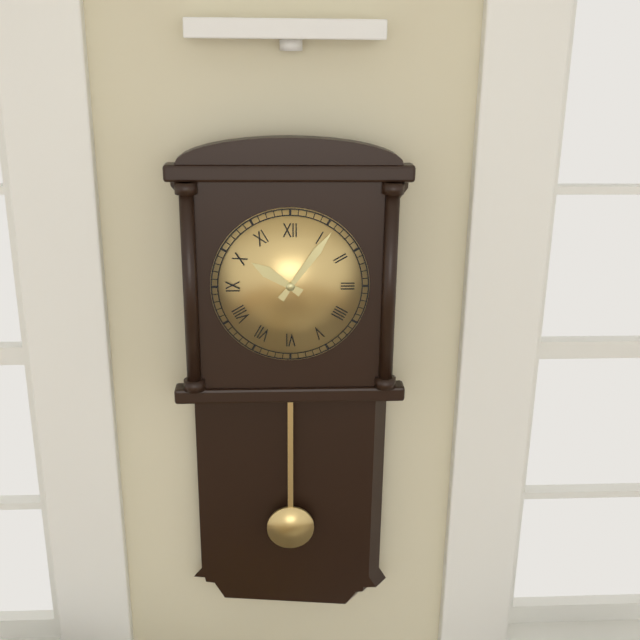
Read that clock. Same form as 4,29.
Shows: 10,06
